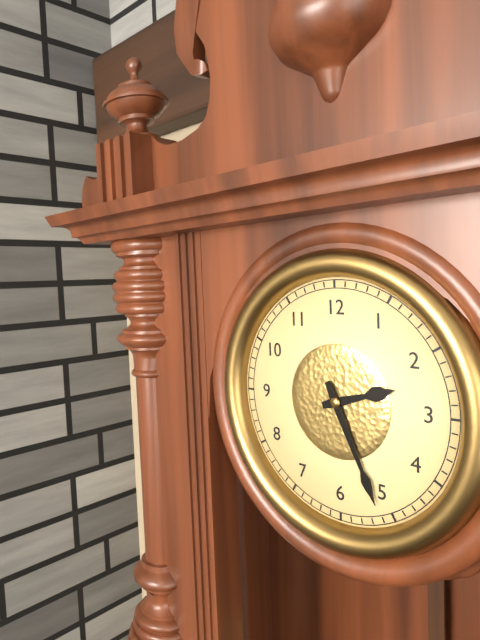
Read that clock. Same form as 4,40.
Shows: 2,26
